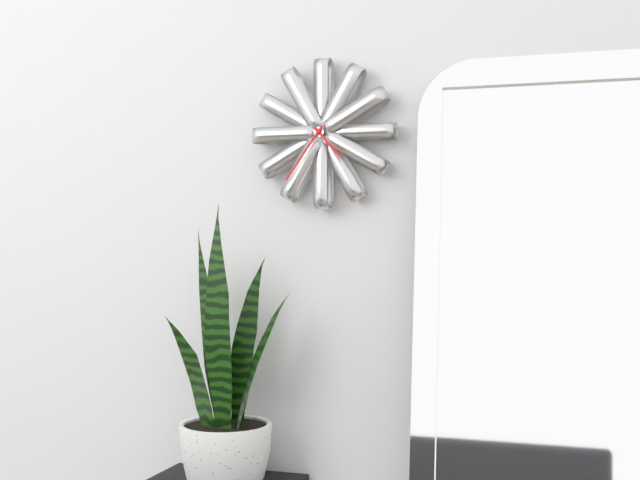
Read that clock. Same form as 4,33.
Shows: 4,36
